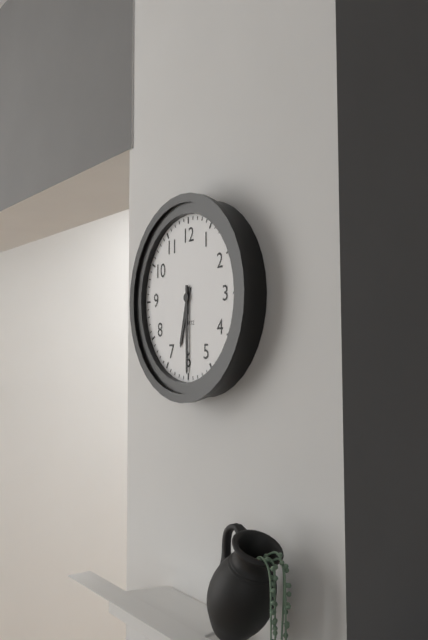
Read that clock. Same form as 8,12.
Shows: 6,30
